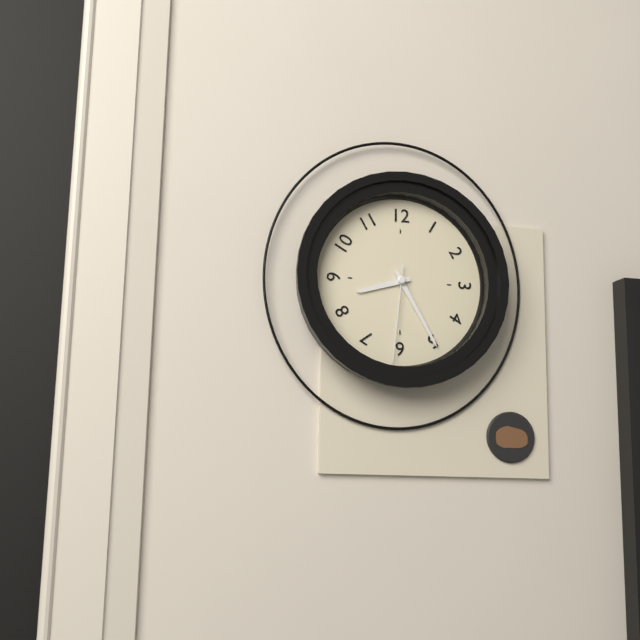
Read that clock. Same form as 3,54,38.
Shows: 8,25,31
